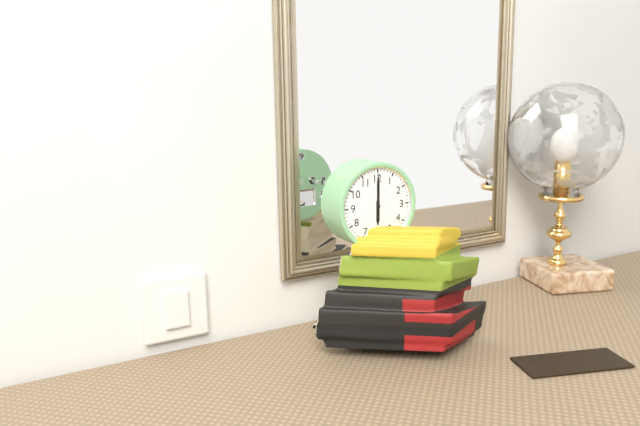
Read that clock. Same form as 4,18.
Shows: 6,00
